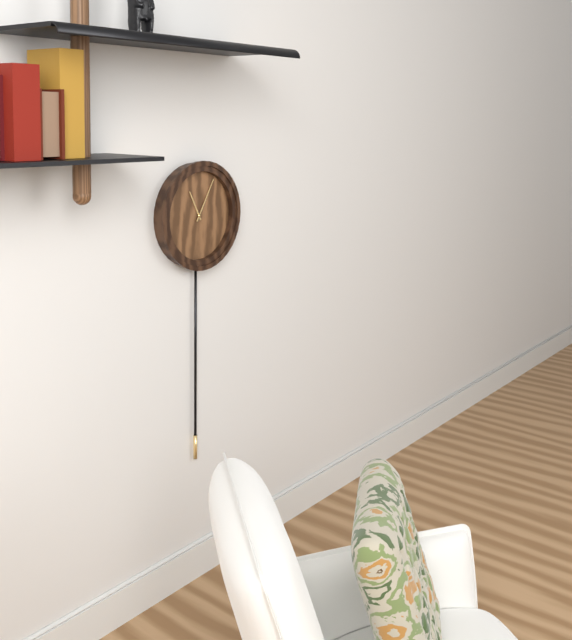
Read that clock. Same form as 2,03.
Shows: 11,05
